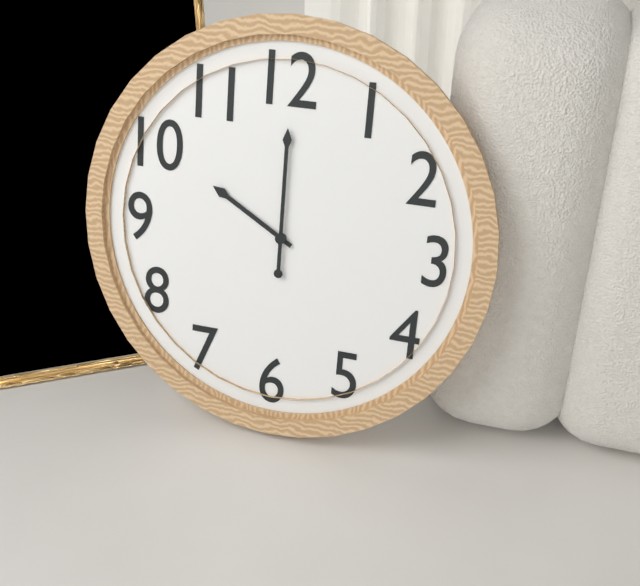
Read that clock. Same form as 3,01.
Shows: 10,00
